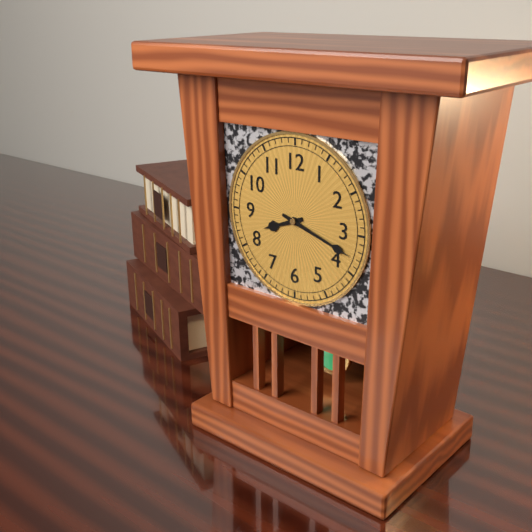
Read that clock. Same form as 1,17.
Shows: 8,18
